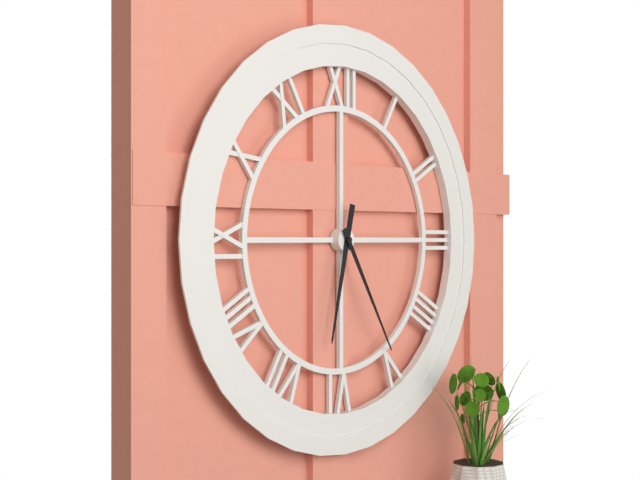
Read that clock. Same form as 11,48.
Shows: 6,25
